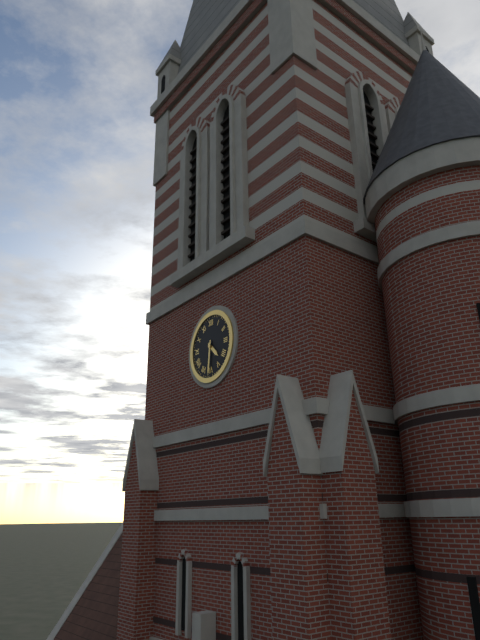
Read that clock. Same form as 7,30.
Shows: 4,31
